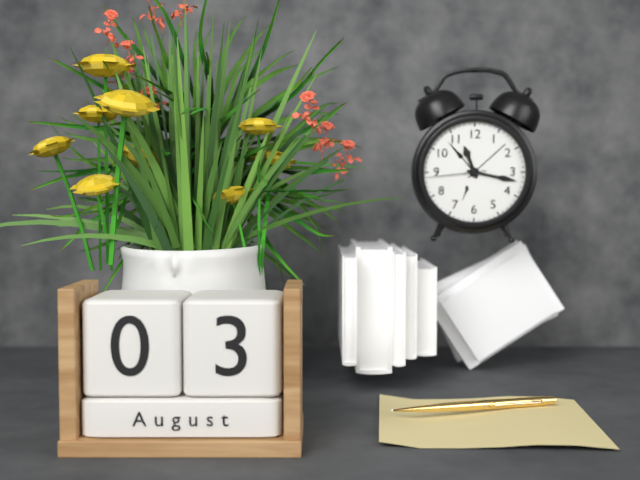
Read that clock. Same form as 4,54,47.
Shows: 11,17,44
